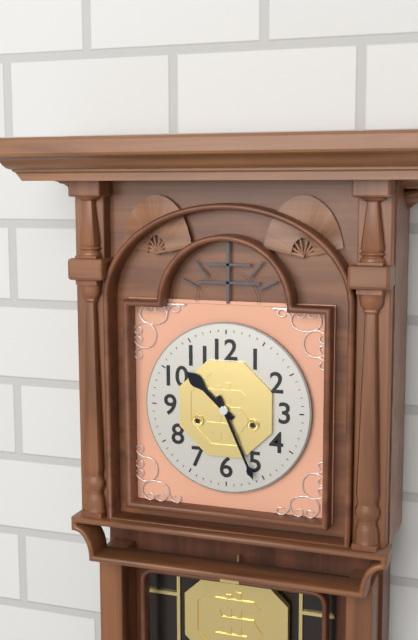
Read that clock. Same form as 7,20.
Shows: 10,26
